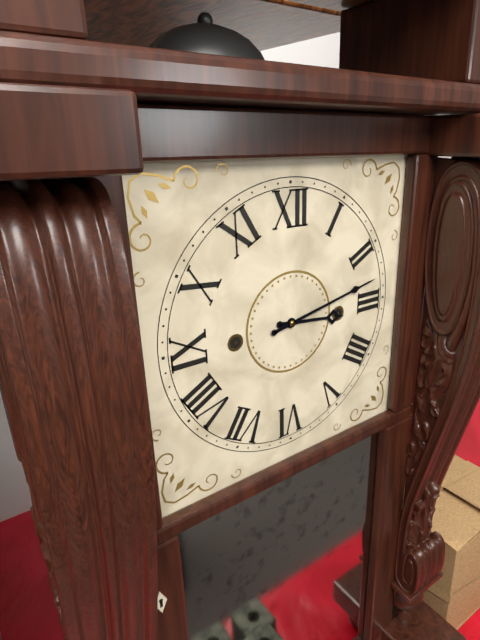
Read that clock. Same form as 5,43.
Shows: 3,13
